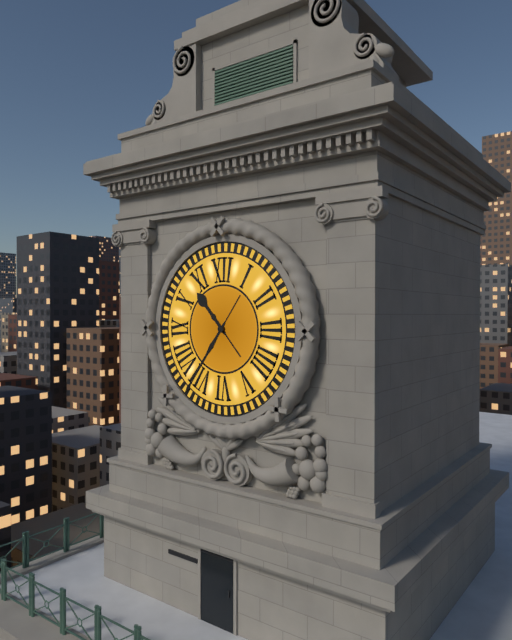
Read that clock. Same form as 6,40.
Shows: 10,36
